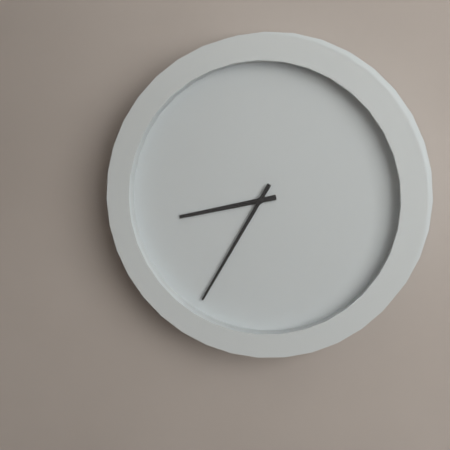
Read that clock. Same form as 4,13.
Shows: 8,35
